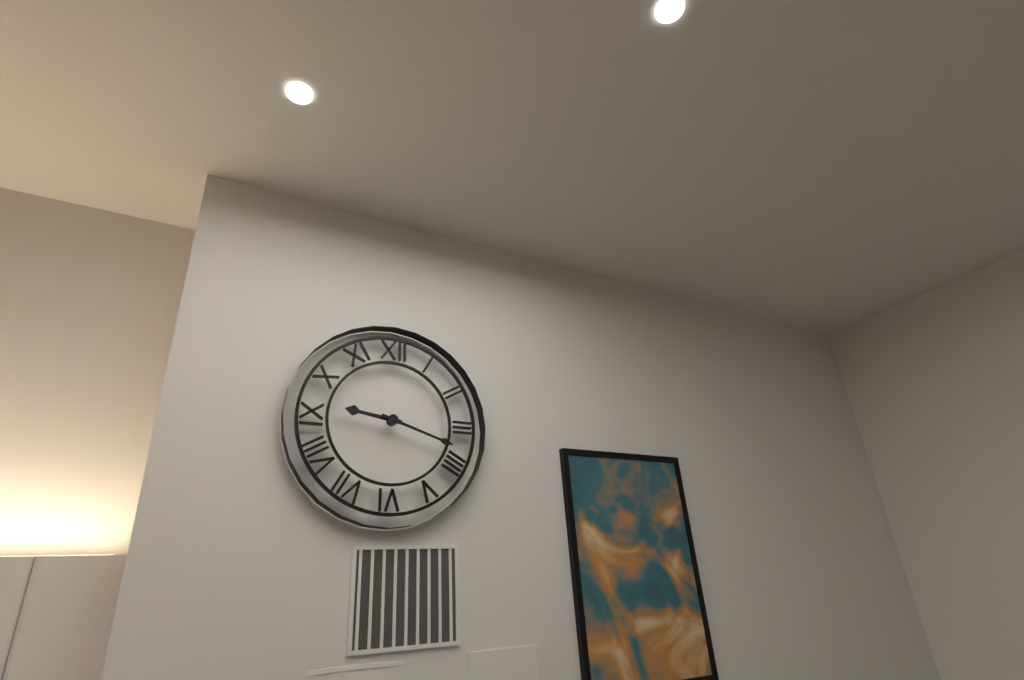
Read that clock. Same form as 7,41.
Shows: 9,18
